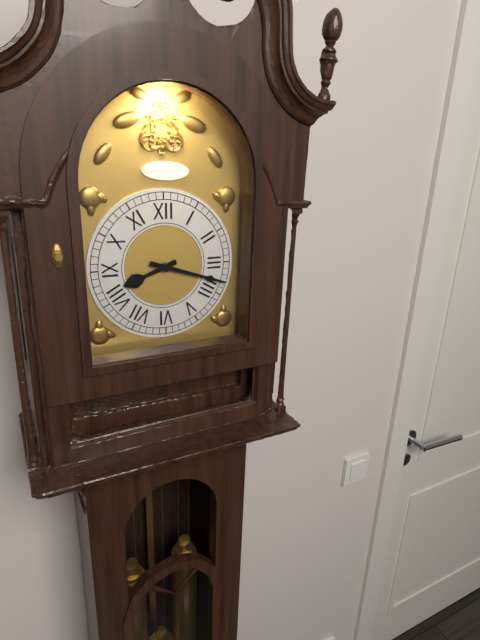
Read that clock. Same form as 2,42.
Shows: 8,18
